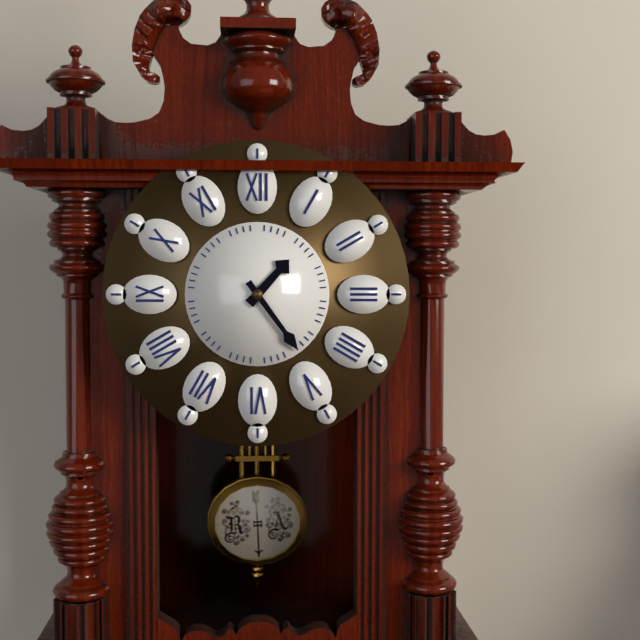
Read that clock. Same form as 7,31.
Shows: 1,24
